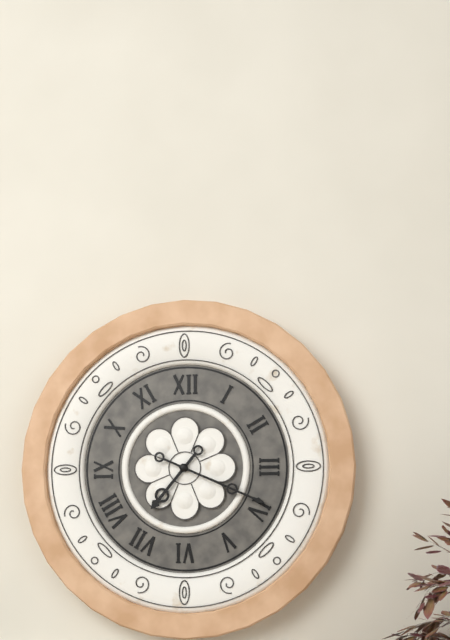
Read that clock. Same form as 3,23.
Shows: 7,19
